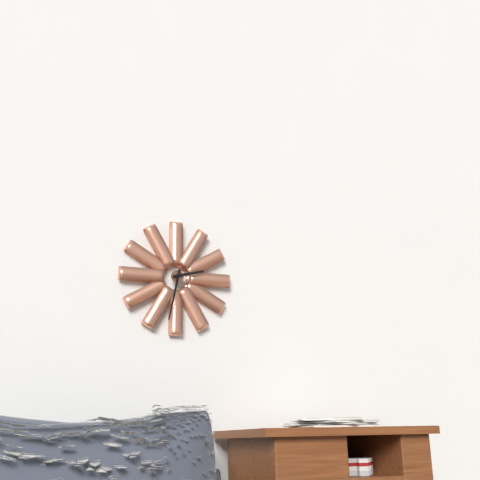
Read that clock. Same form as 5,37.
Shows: 2,32
